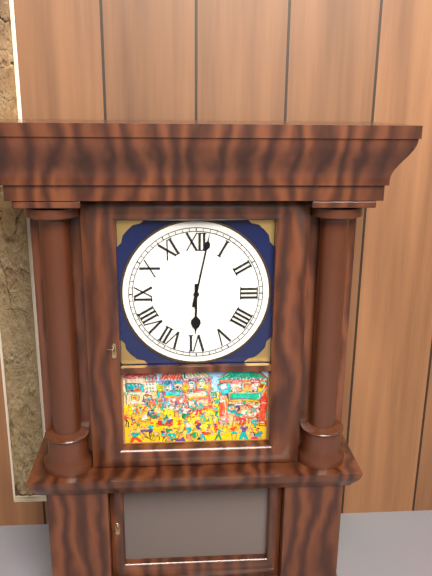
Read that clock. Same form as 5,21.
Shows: 6,02
